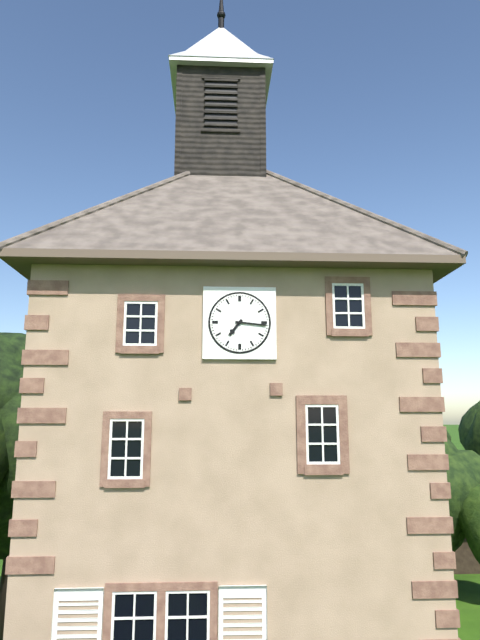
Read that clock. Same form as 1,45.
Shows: 7,16
